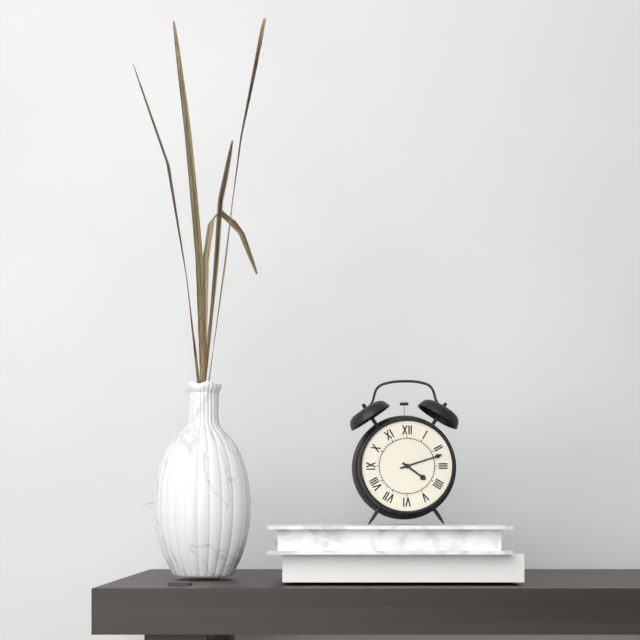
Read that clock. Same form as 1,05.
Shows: 4,12
